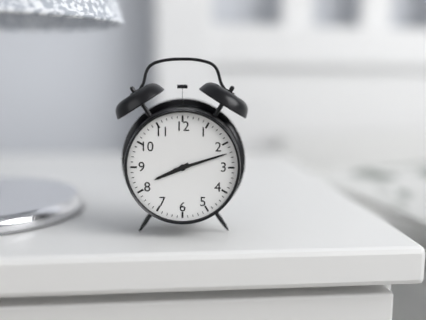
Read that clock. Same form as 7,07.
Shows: 8,12
